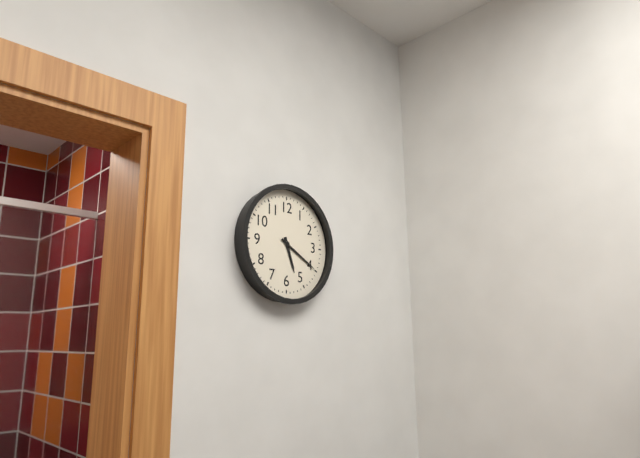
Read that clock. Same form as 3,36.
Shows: 5,20
